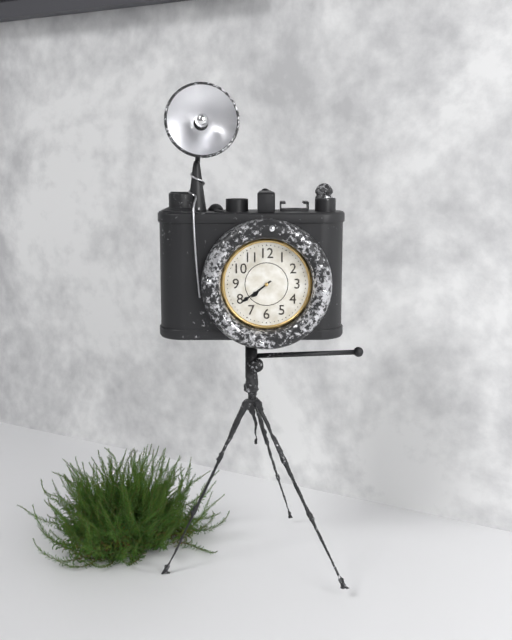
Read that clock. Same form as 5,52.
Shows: 7,39
